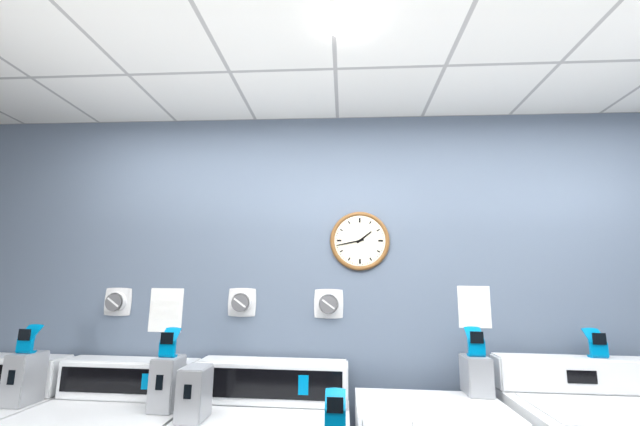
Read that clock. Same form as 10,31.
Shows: 1,43
